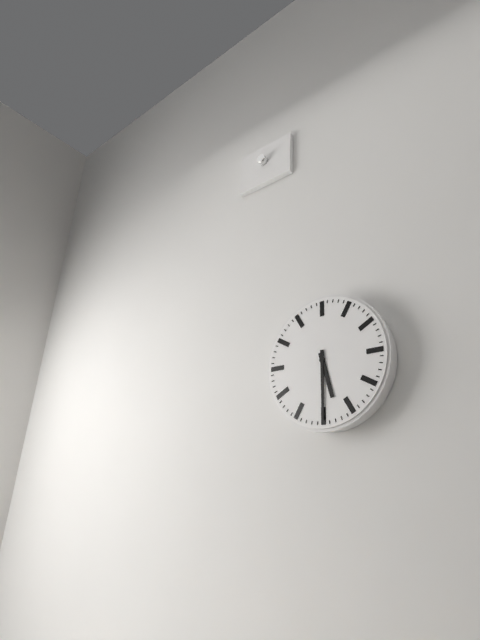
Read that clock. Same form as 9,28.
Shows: 5,30
